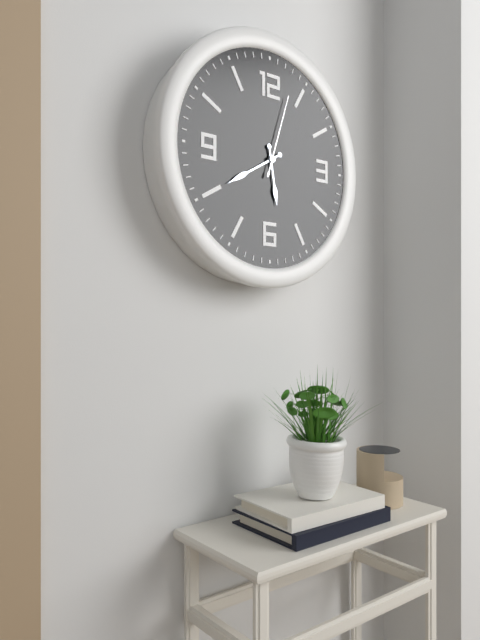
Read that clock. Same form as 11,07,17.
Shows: 5,40,03
